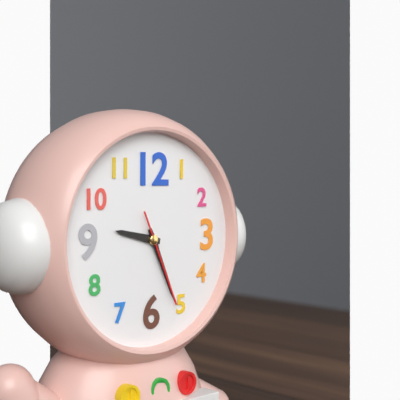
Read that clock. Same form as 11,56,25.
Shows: 9,26,26
